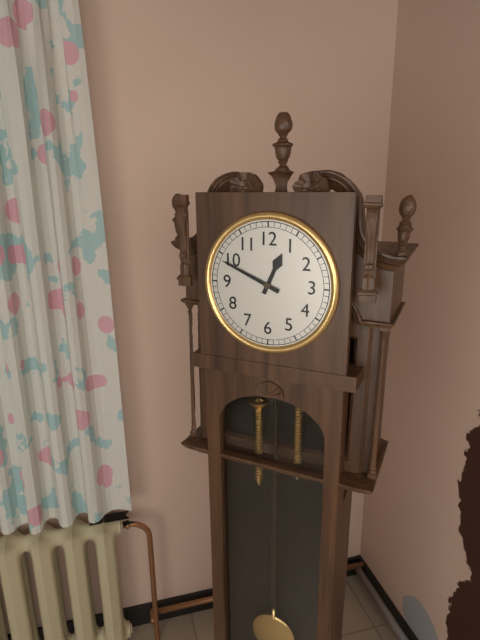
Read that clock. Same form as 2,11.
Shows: 12,49
